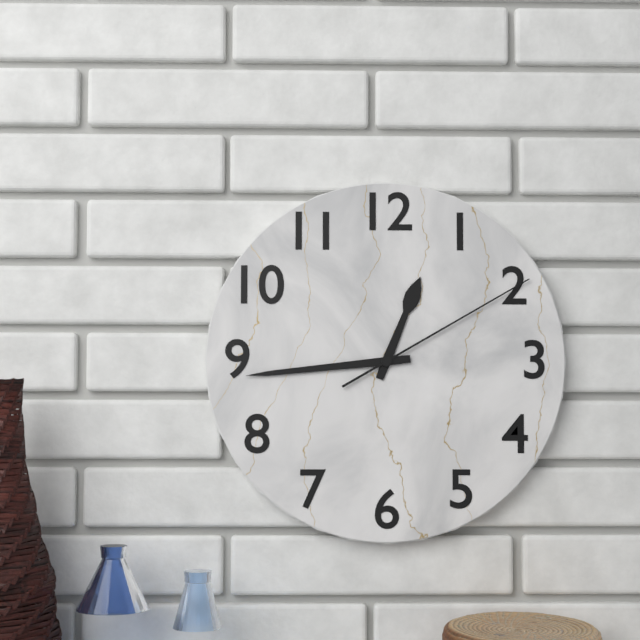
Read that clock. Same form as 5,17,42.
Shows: 12,44,10
